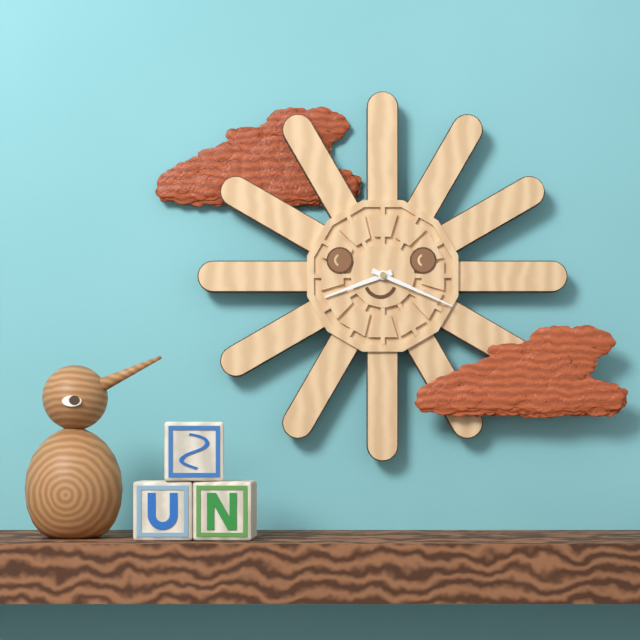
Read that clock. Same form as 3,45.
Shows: 8,19
